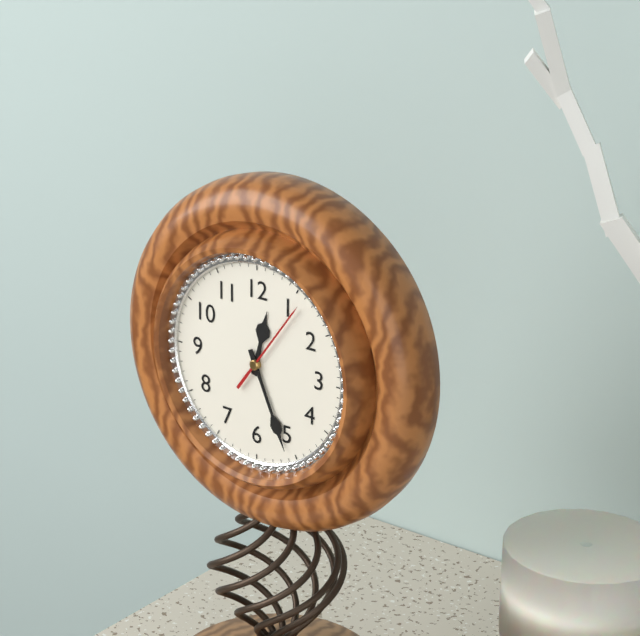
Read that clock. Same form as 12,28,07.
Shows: 12,26,06
